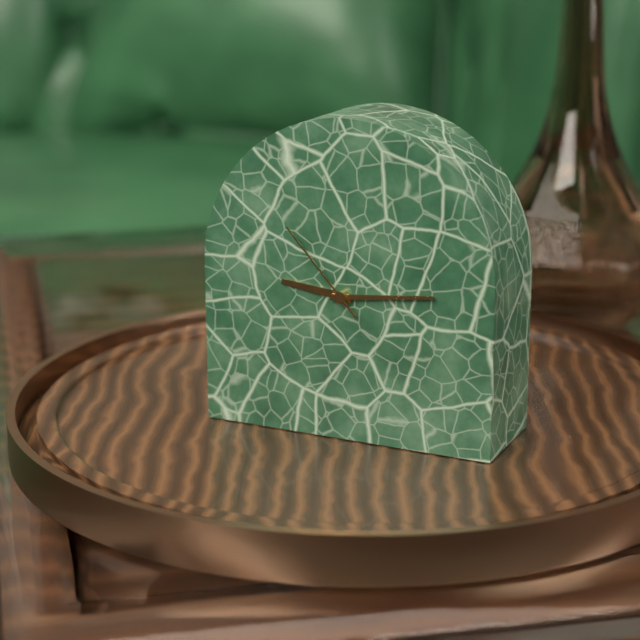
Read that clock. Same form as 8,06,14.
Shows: 9,14,53
